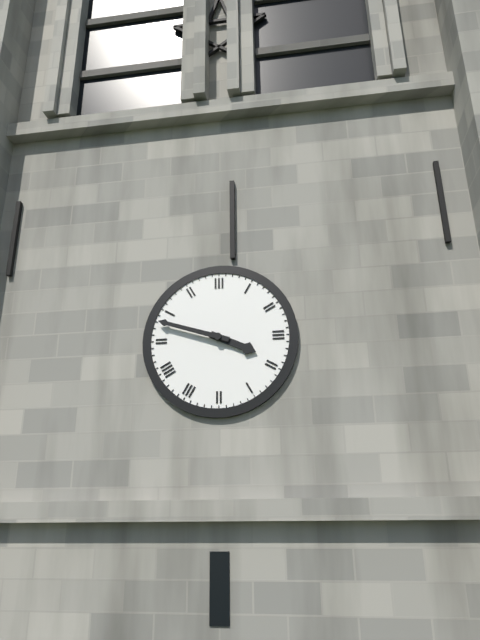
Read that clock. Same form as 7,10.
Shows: 3,48
